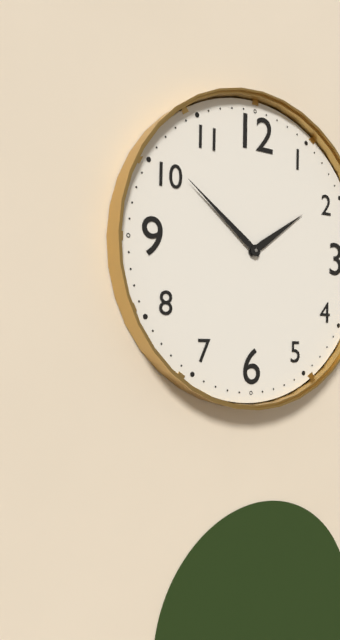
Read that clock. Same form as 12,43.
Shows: 1,51
